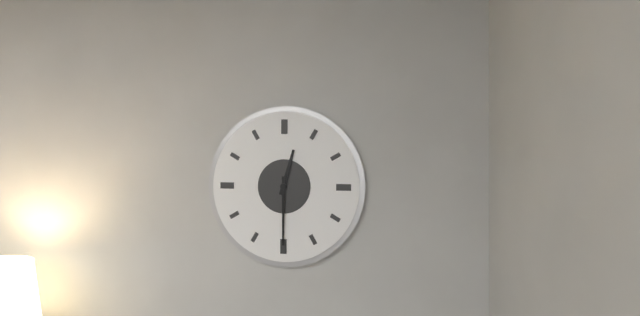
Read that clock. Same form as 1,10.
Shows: 12,30
